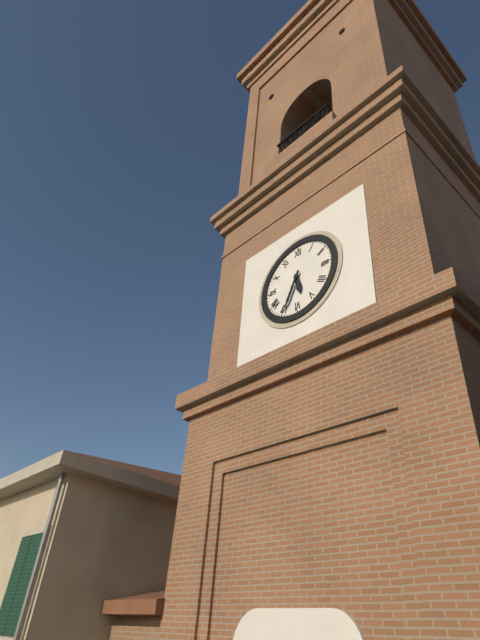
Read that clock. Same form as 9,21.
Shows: 5,34
